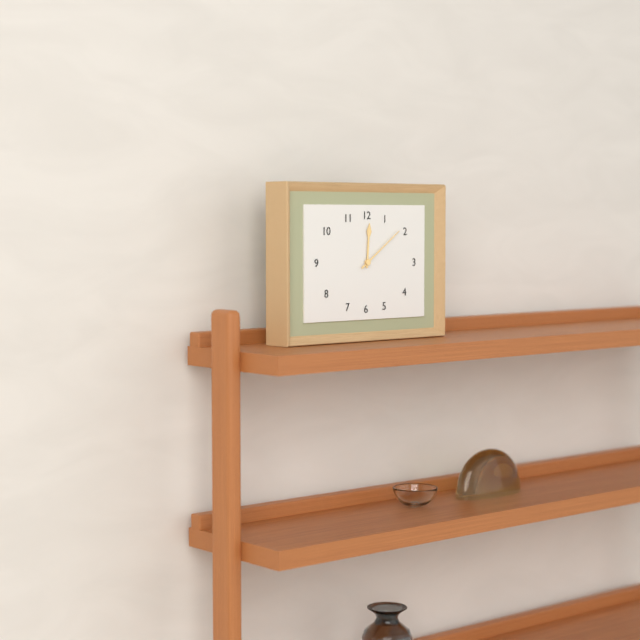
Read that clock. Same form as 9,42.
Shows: 12,09
